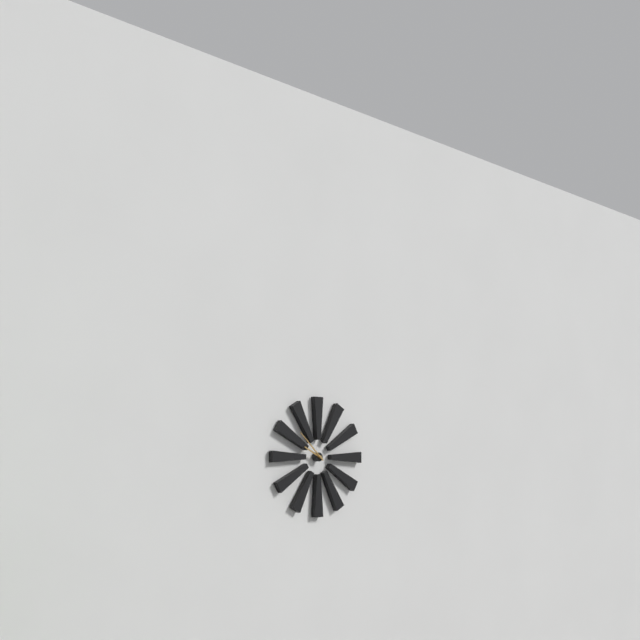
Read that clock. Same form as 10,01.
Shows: 9,52
